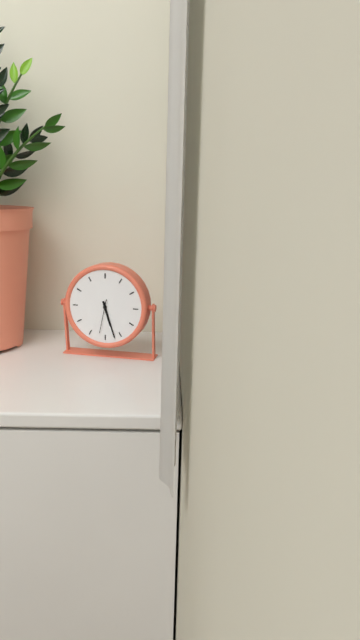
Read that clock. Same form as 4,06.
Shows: 5,27
